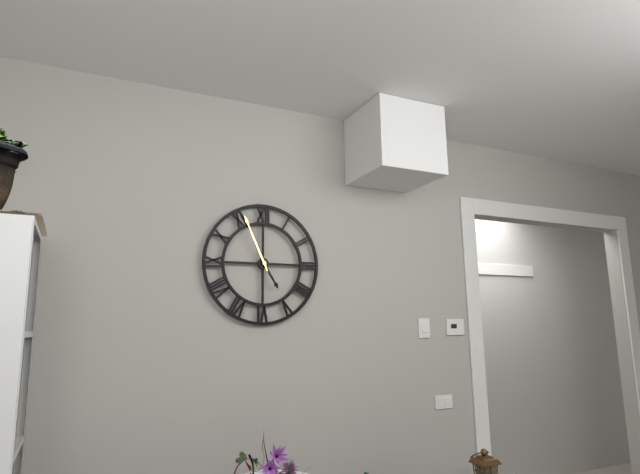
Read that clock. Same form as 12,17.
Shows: 4,56
